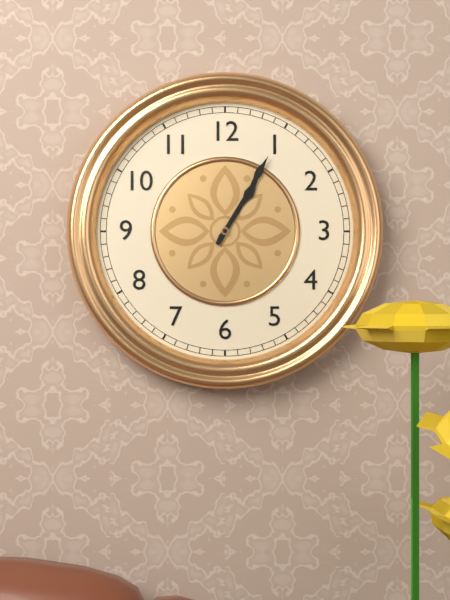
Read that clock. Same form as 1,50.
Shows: 1,05
